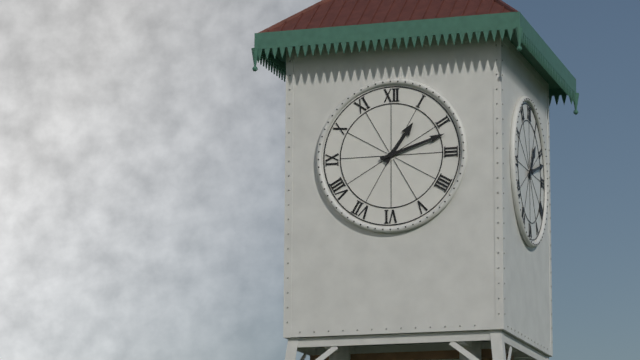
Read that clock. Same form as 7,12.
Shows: 1,12
